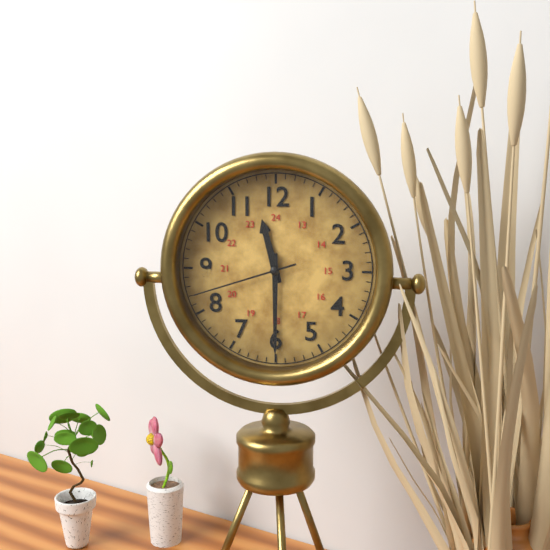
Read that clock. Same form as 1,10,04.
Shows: 11,30,42
